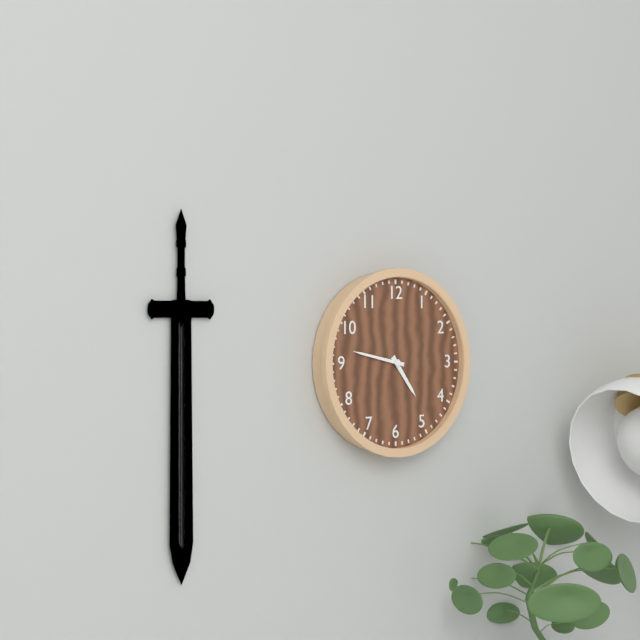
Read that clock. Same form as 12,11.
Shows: 4,47
